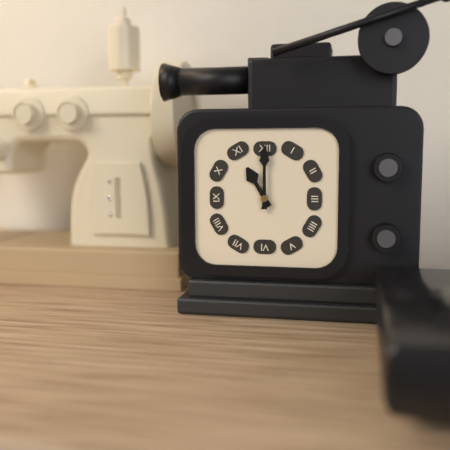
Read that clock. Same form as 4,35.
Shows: 11,00
